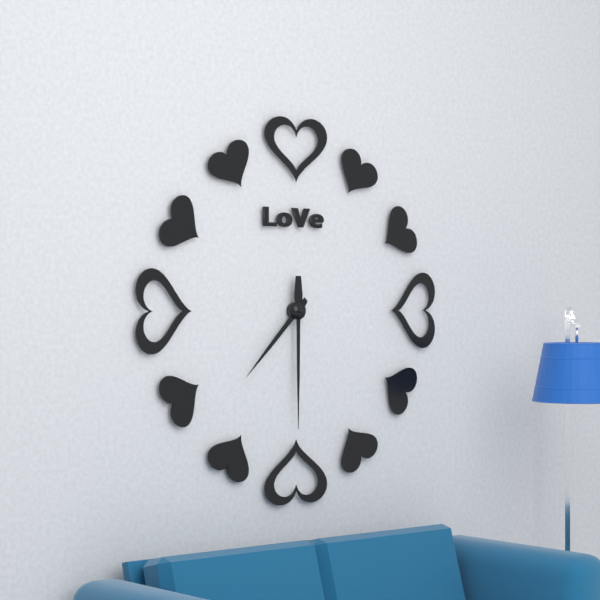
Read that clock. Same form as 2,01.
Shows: 7,30
